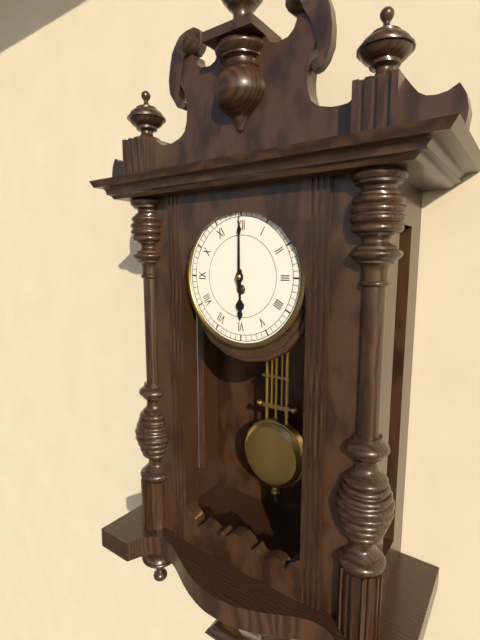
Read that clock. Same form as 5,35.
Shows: 6,00
